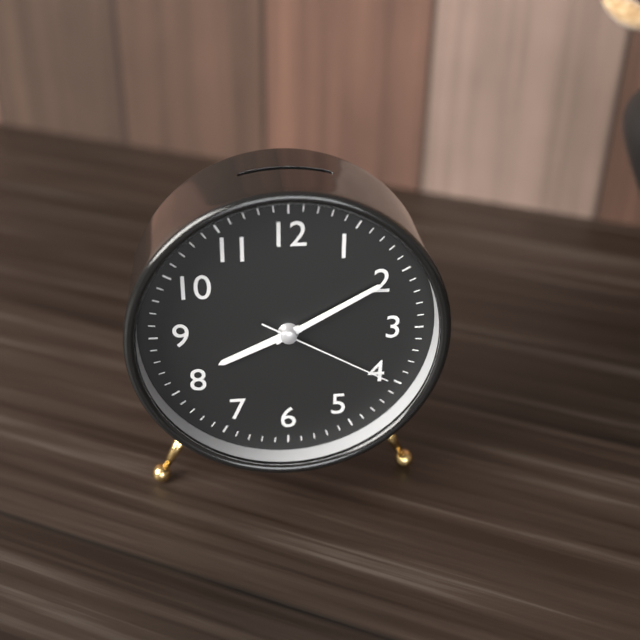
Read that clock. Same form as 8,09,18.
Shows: 8,10,20
